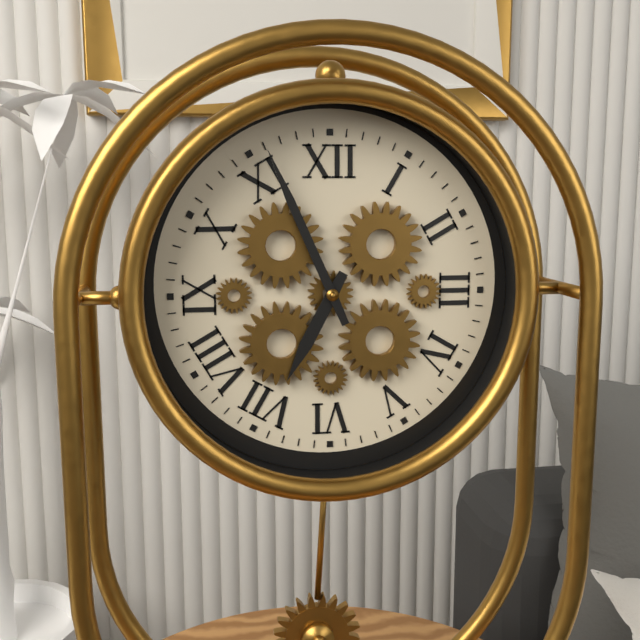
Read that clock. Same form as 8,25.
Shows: 6,56
